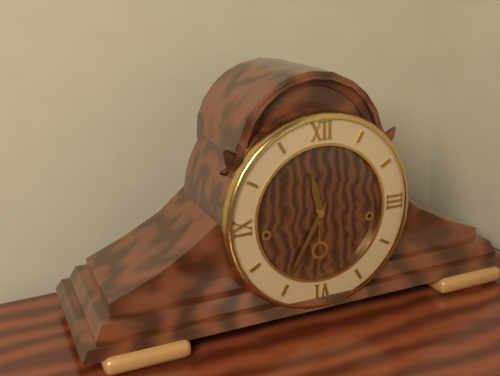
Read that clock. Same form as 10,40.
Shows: 11,35
